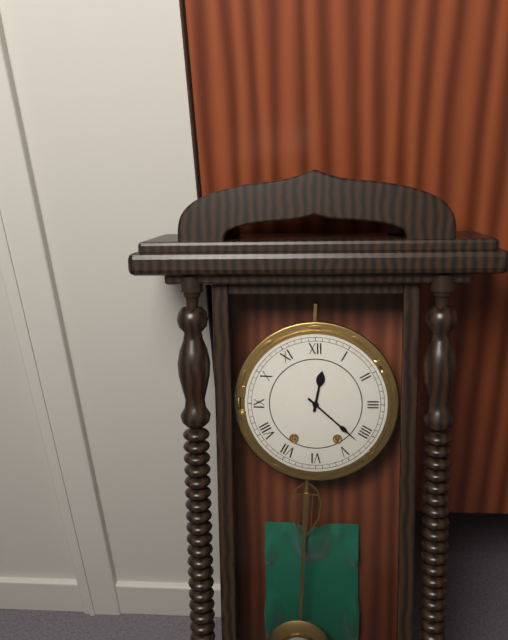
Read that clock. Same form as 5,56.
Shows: 12,22
